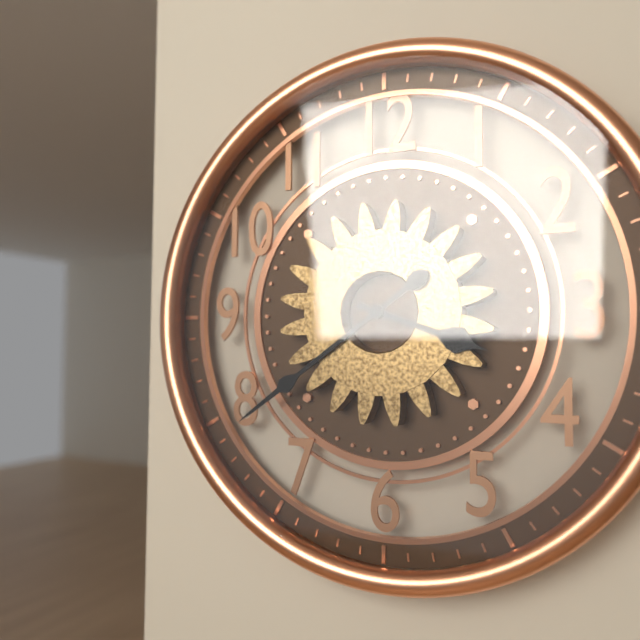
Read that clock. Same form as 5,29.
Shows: 3,39
